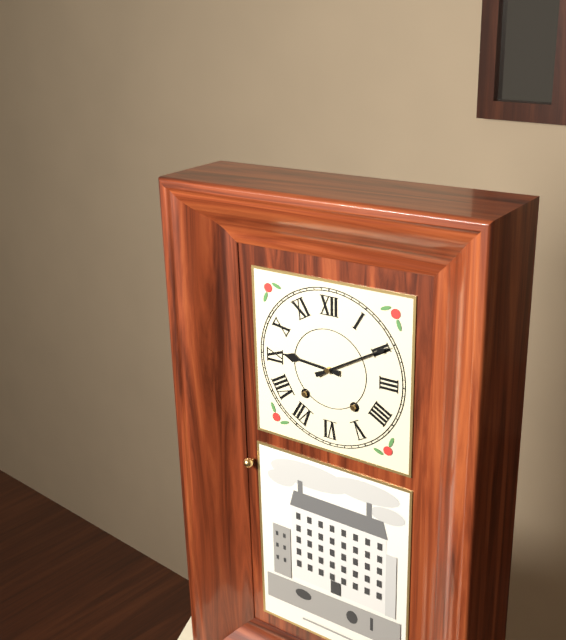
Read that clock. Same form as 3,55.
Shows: 9,10
